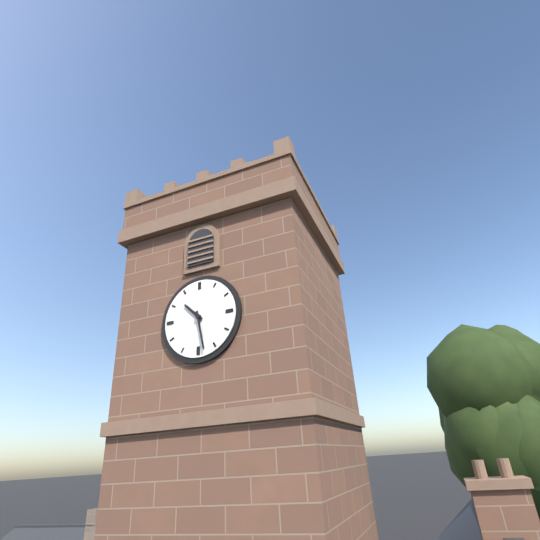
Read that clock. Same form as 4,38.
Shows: 10,28
